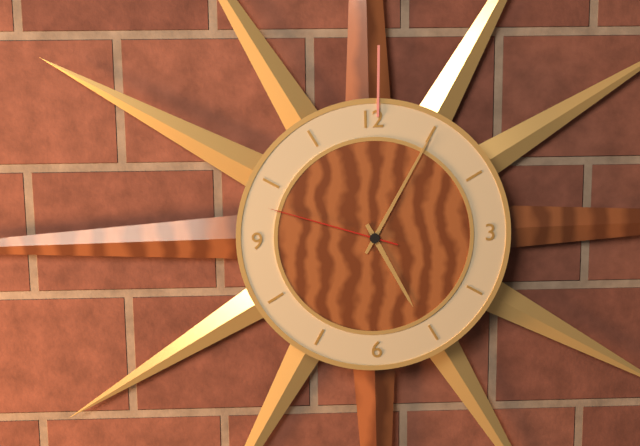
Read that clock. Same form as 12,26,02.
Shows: 5,05,48
